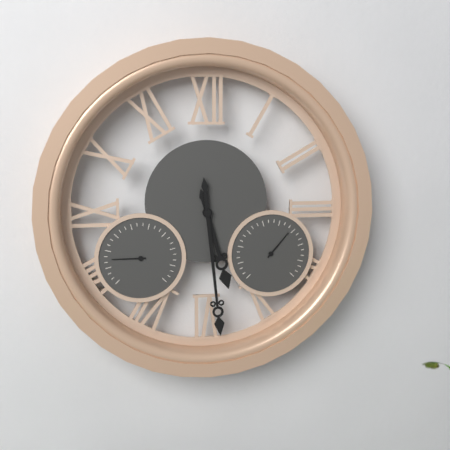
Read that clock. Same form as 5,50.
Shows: 5,29
